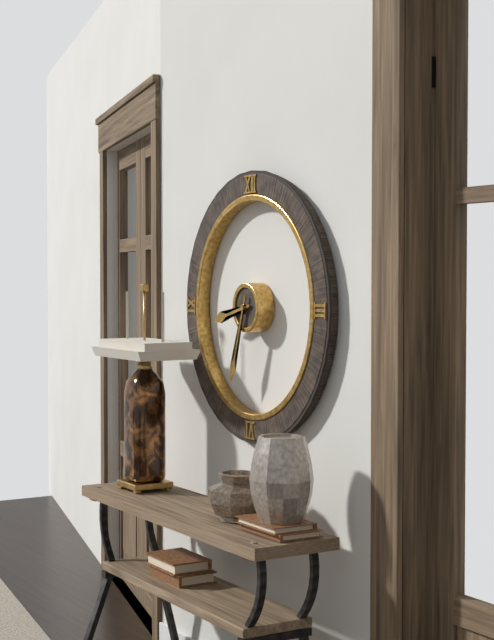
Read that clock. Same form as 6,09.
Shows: 8,33
